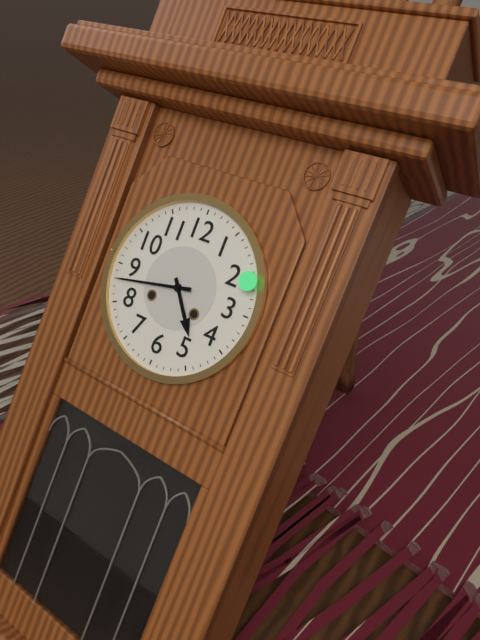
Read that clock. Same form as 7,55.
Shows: 4,43
